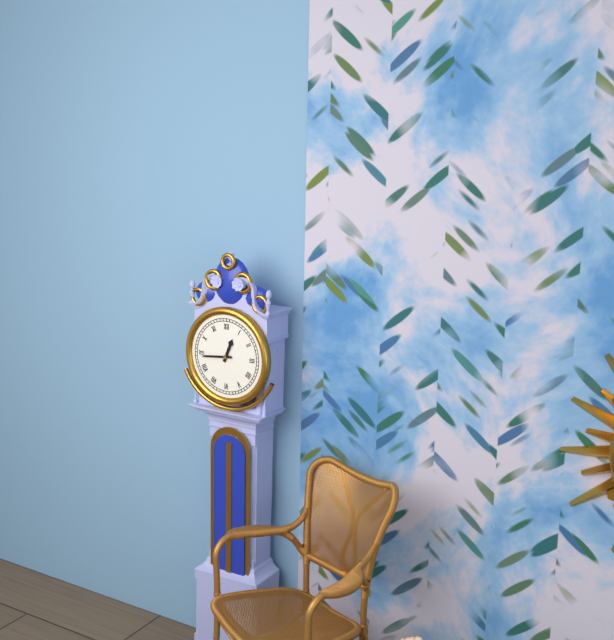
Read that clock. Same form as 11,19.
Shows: 12,44
